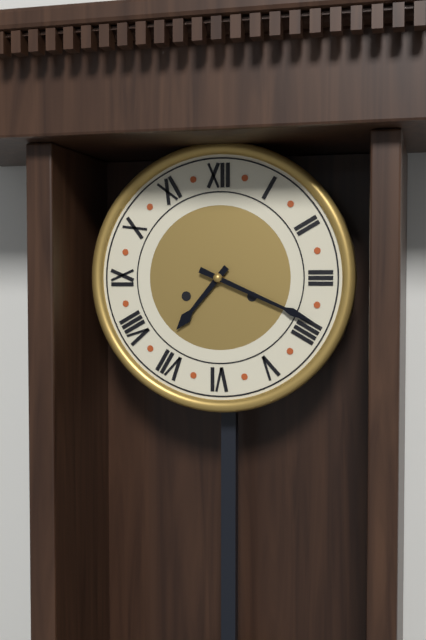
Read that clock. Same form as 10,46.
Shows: 7,19
